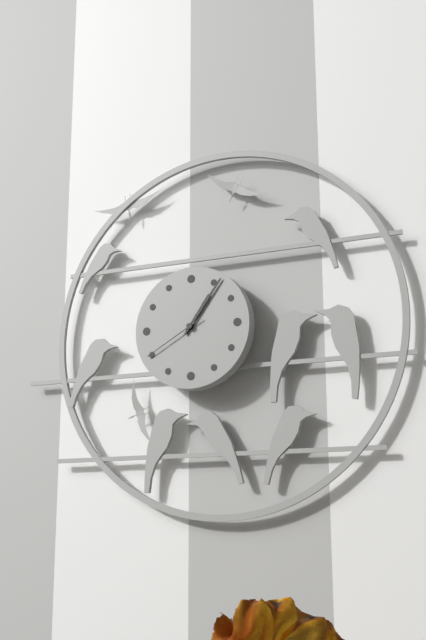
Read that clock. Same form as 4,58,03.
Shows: 1,06,40
